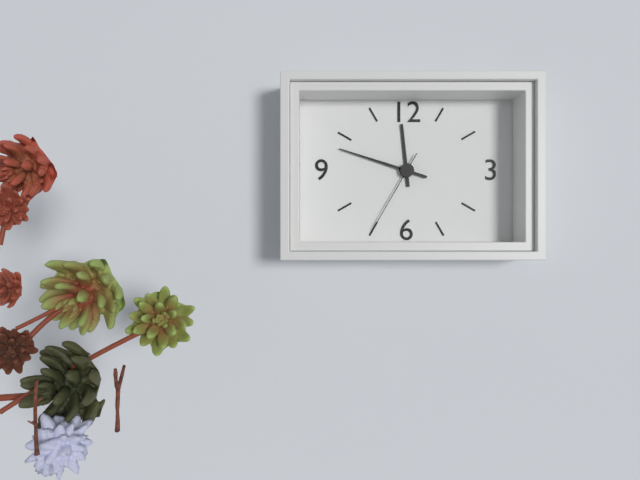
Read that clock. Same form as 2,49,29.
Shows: 11,48,35
